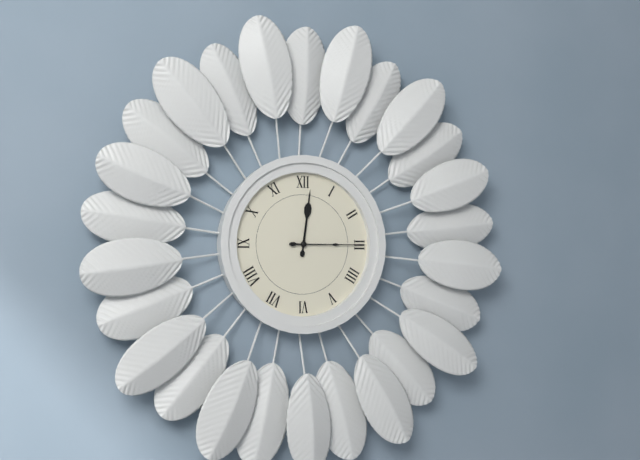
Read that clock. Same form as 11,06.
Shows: 12,15
